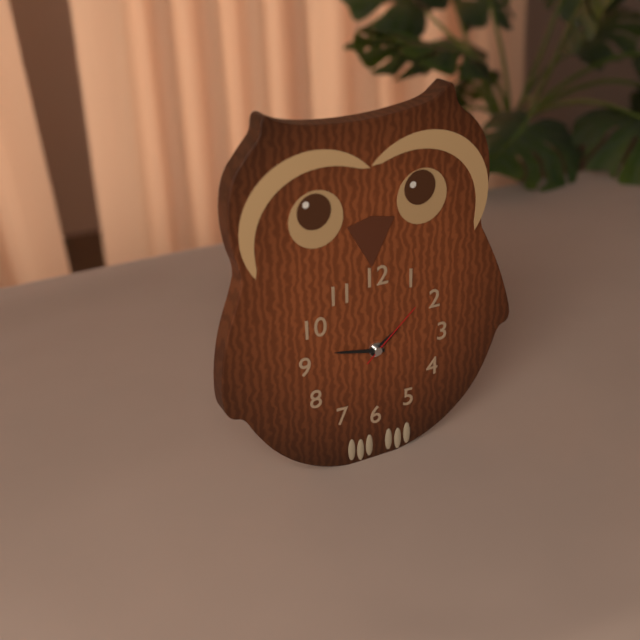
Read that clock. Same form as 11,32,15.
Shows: 1,47,08
